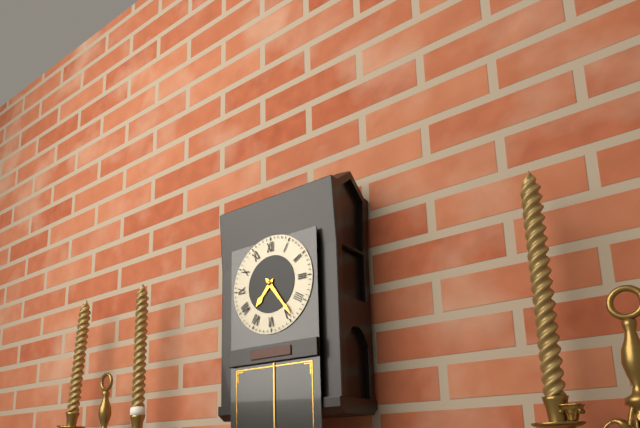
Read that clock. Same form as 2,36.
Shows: 7,24
